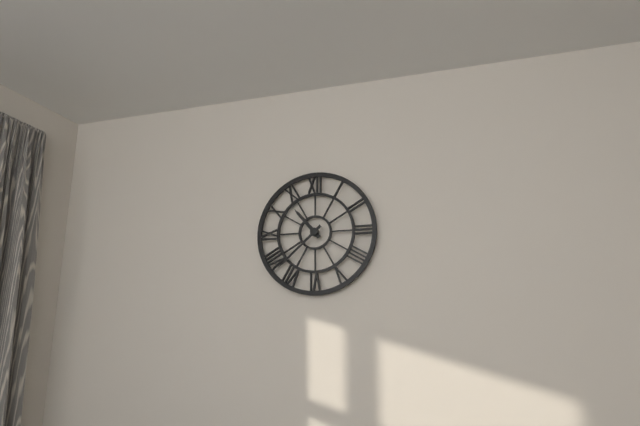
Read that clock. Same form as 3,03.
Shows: 10,38
